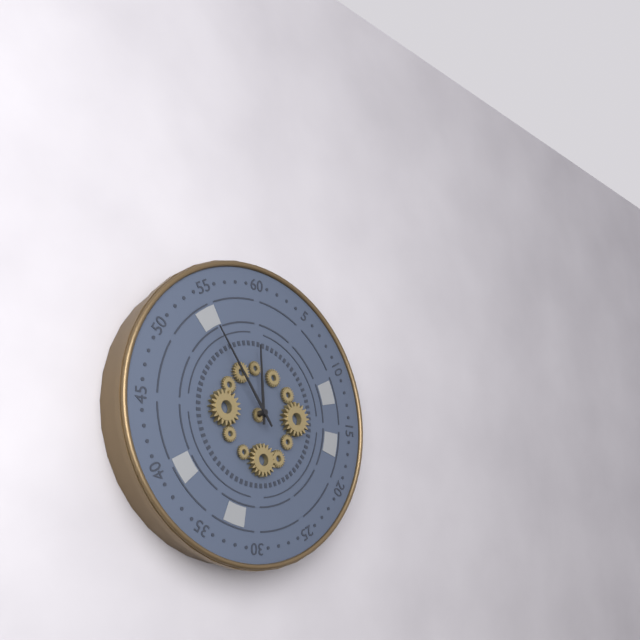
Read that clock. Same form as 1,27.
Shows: 11,54
